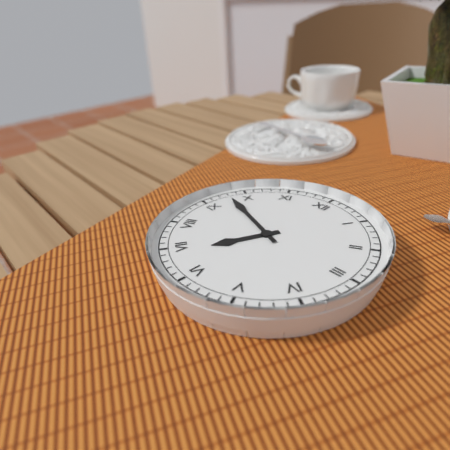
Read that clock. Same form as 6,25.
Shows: 6,48
